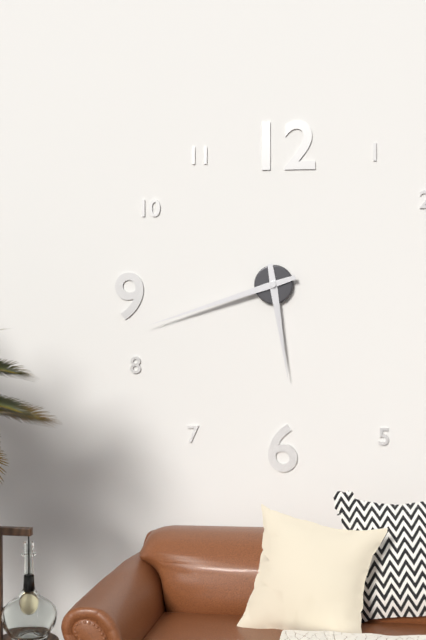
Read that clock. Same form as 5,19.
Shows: 5,42
